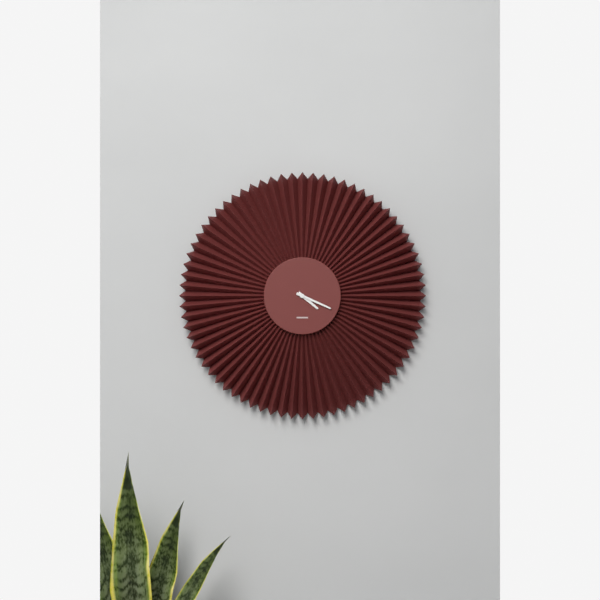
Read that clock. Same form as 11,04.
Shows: 4,19
